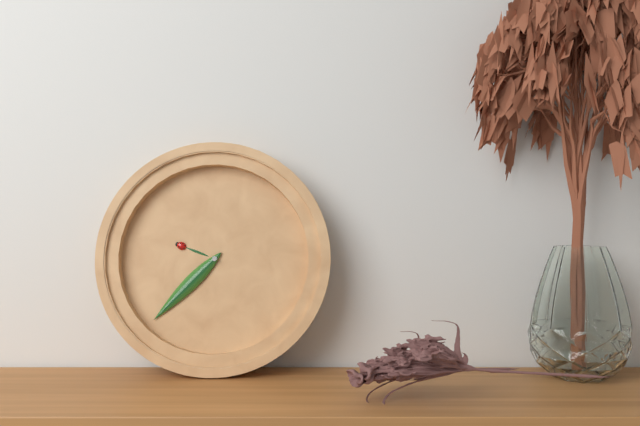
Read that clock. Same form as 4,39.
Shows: 9,37
